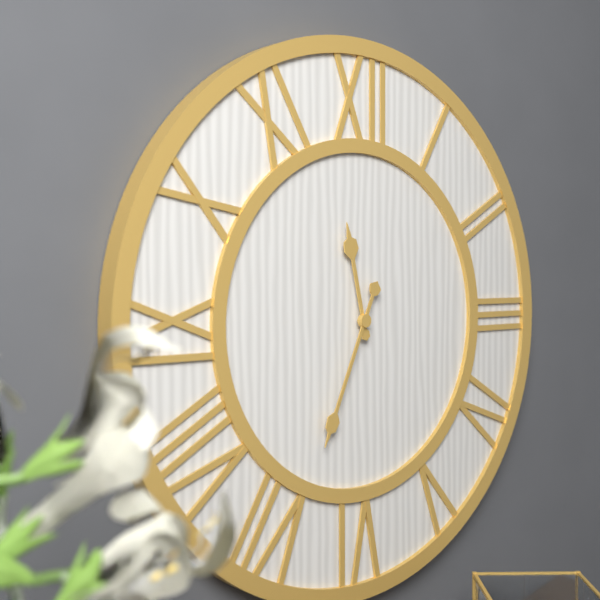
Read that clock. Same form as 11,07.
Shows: 11,34
